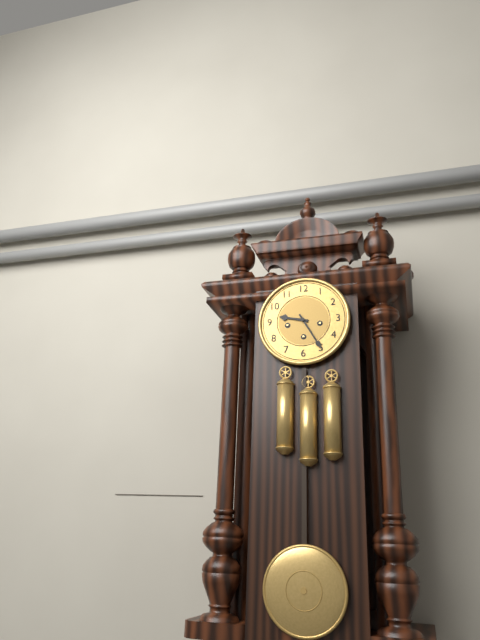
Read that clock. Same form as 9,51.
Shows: 9,25
